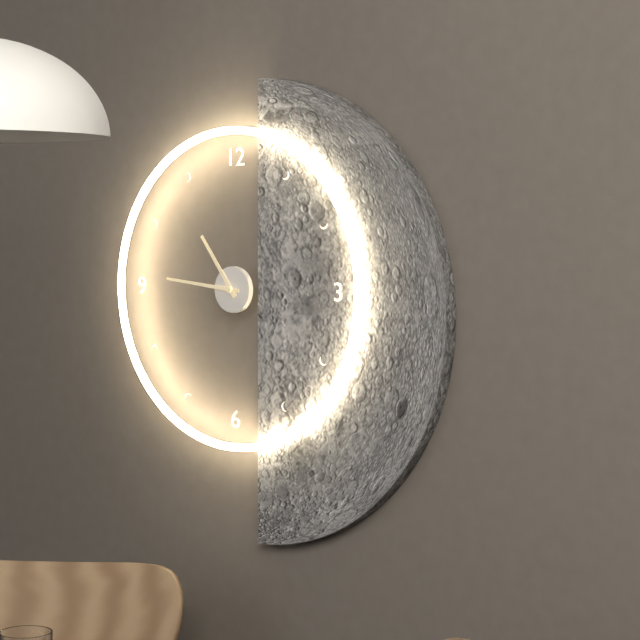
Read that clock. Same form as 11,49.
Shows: 10,46
